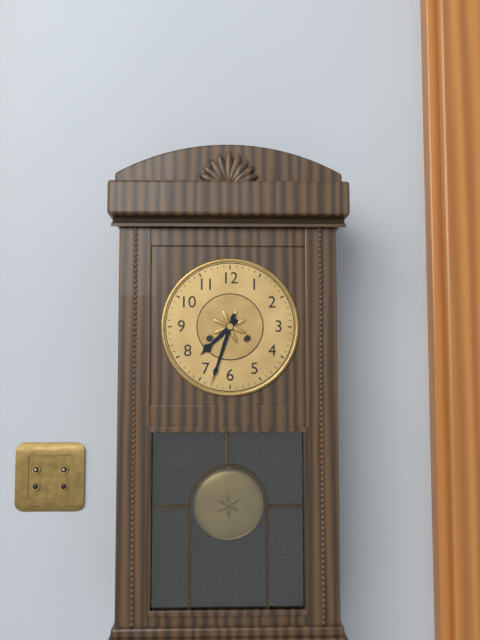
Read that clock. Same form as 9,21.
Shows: 7,33
